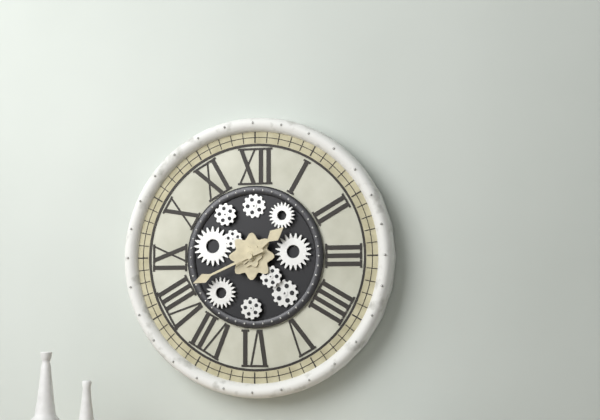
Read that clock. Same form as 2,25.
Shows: 1,41
